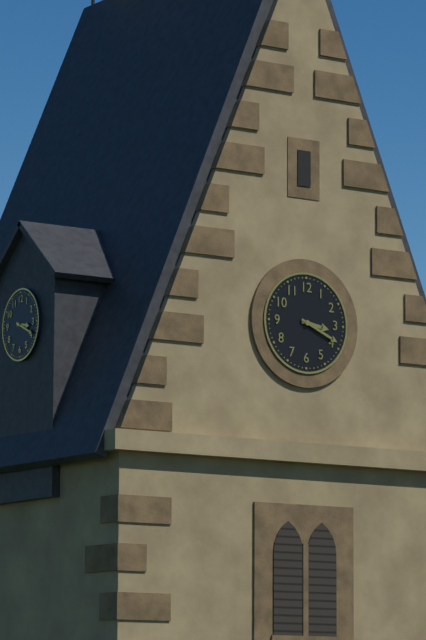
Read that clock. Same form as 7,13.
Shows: 3,19
